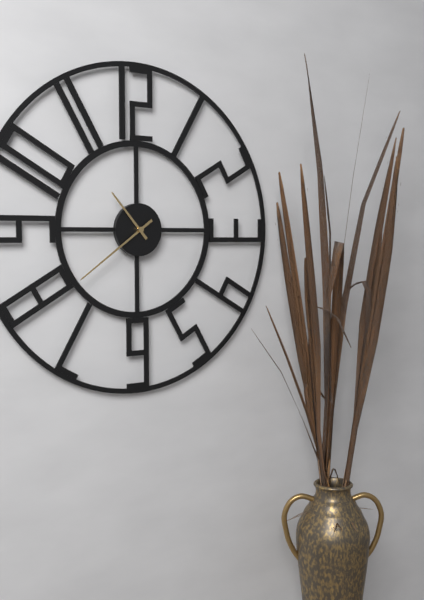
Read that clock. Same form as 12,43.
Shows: 10,39
